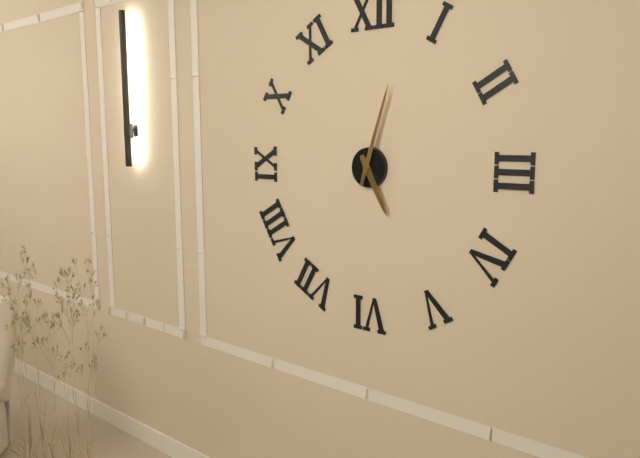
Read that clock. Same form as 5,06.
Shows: 5,03
